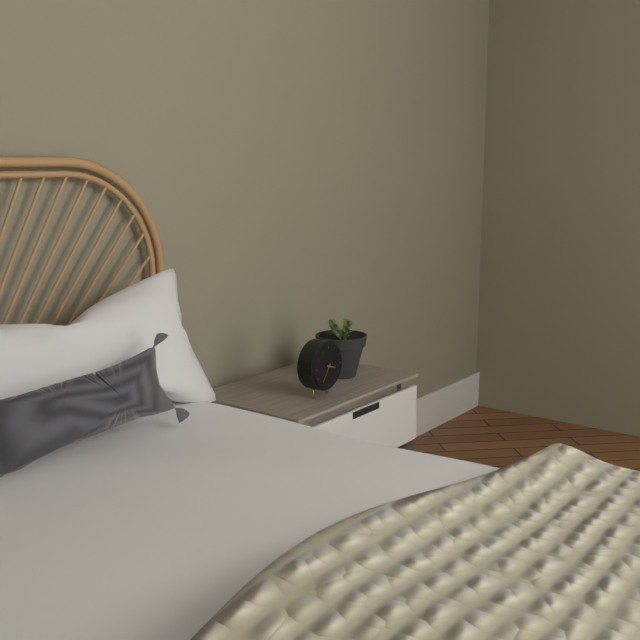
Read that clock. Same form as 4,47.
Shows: 3,36
